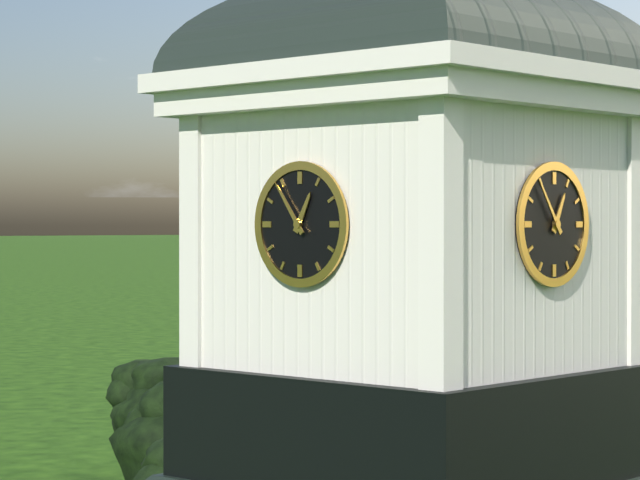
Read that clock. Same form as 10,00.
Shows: 12,54
